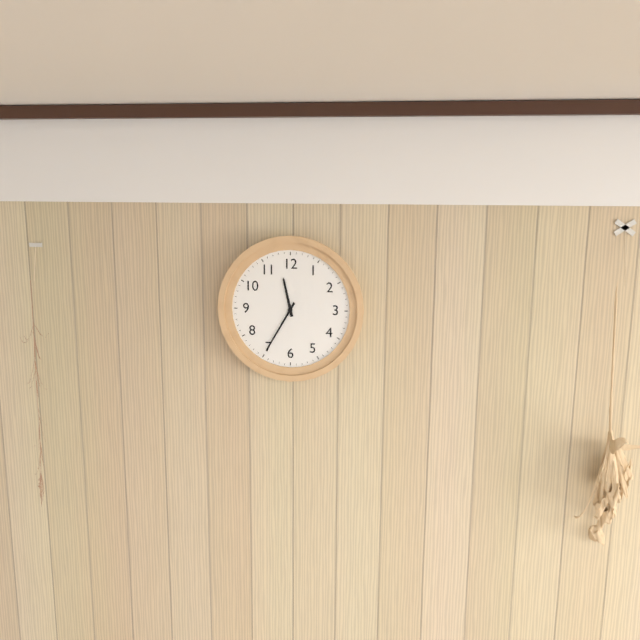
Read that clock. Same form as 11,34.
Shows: 11,35
